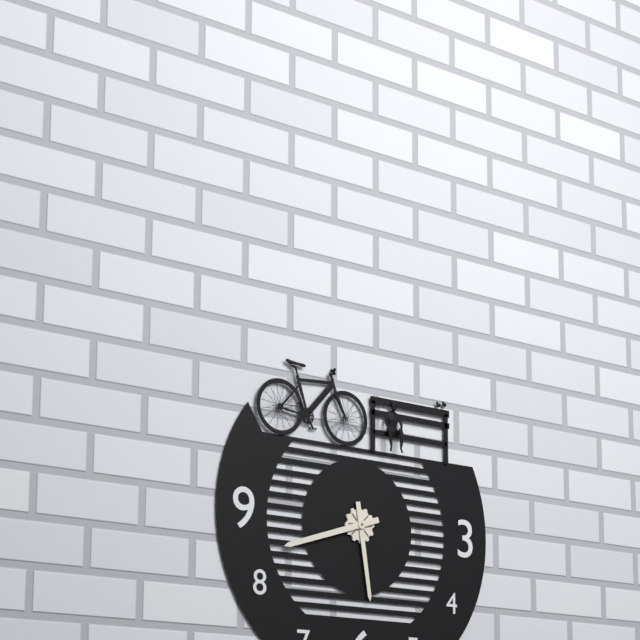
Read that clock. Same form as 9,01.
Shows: 5,42
